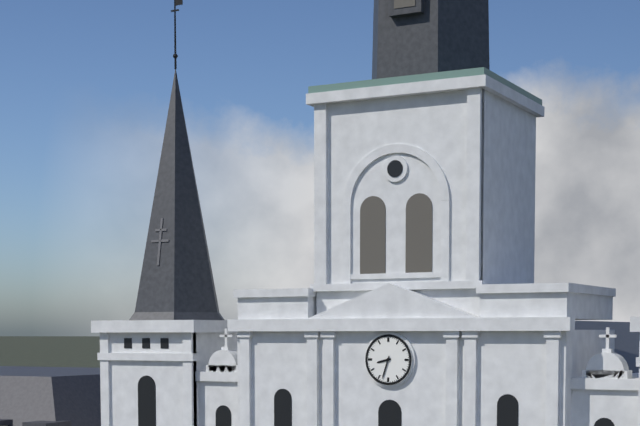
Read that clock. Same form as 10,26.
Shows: 8,33
